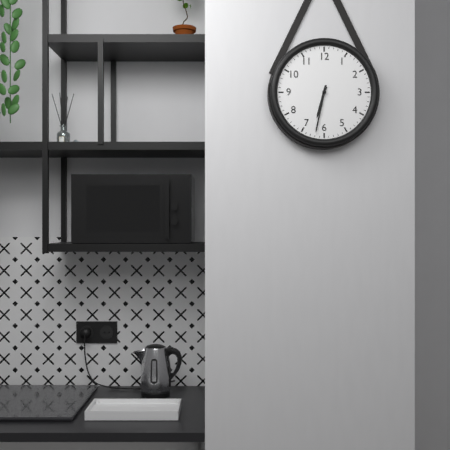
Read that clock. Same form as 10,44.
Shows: 6,32
